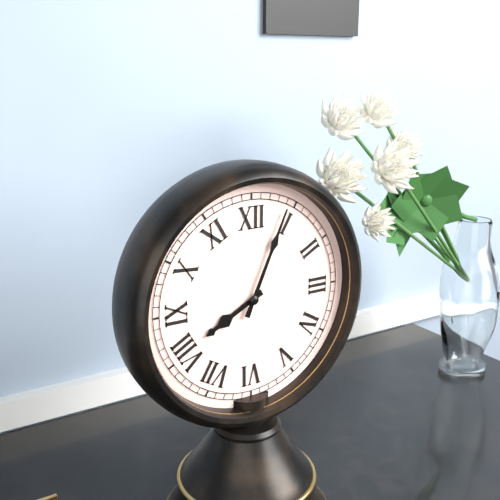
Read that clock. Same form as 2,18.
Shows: 8,04
